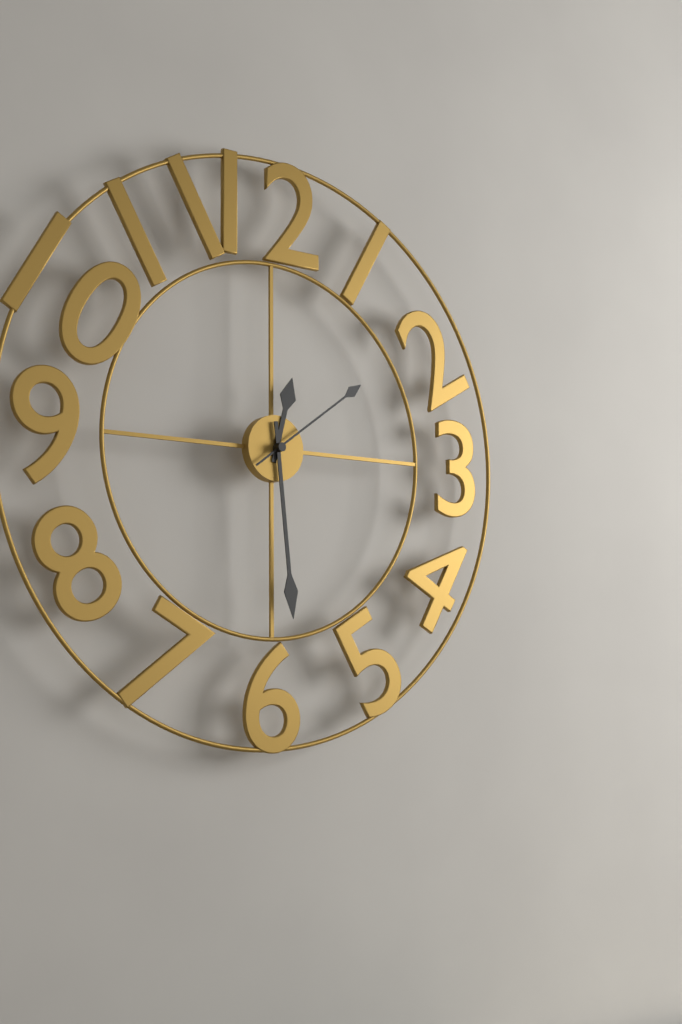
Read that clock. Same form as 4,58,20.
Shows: 12,29,09
